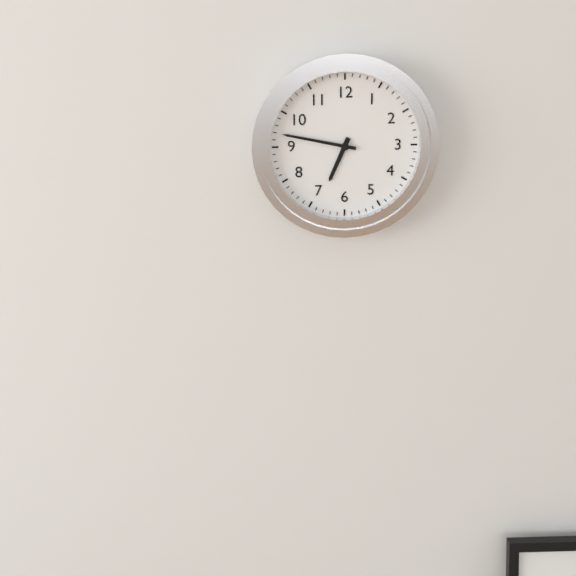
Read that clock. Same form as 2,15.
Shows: 6,47
